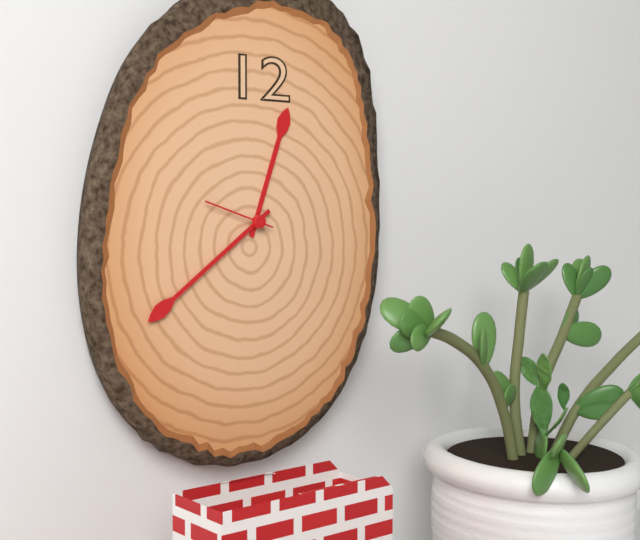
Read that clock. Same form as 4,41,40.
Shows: 12,39,48
